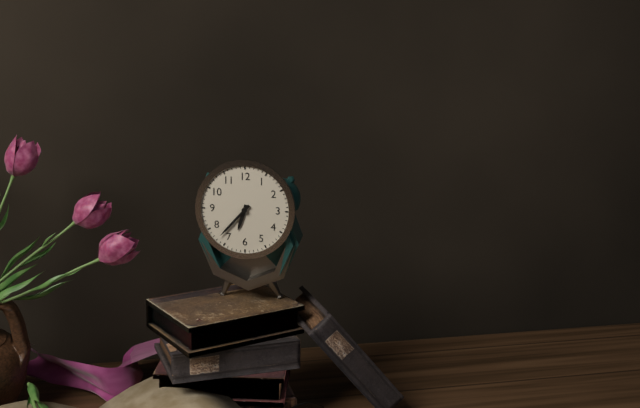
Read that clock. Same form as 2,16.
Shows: 6,37
